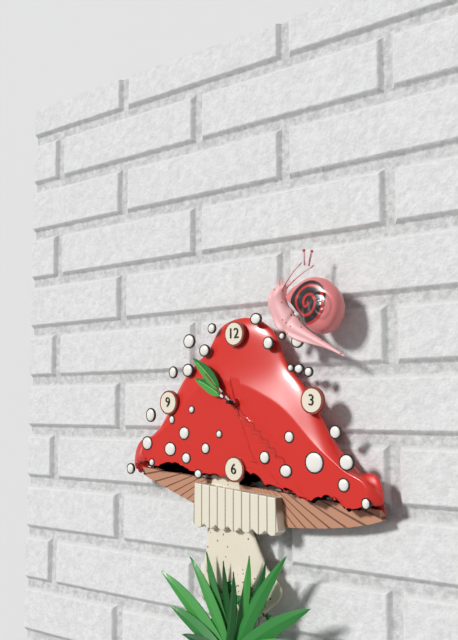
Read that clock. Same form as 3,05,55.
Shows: 9,52,22
